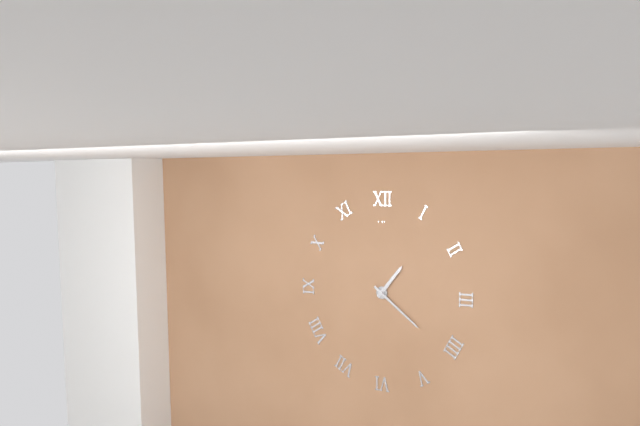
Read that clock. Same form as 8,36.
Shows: 1,21
